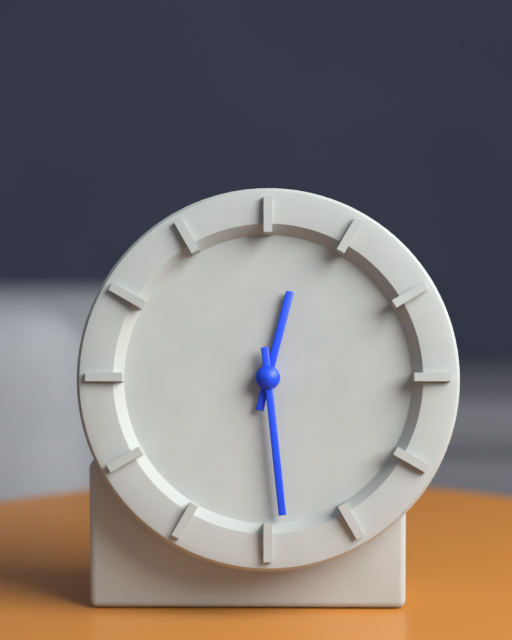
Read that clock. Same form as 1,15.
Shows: 12,29
